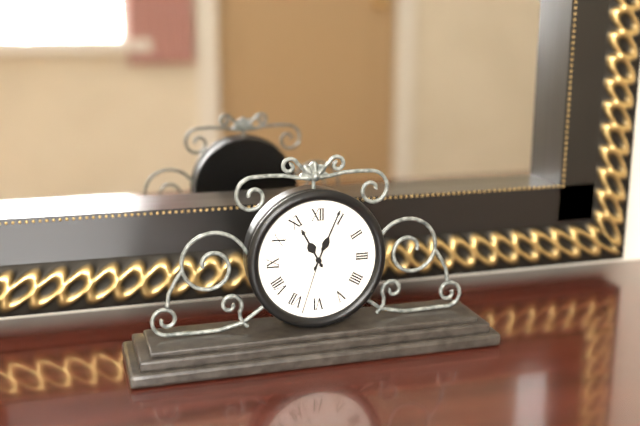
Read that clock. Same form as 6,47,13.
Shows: 11,04,33
